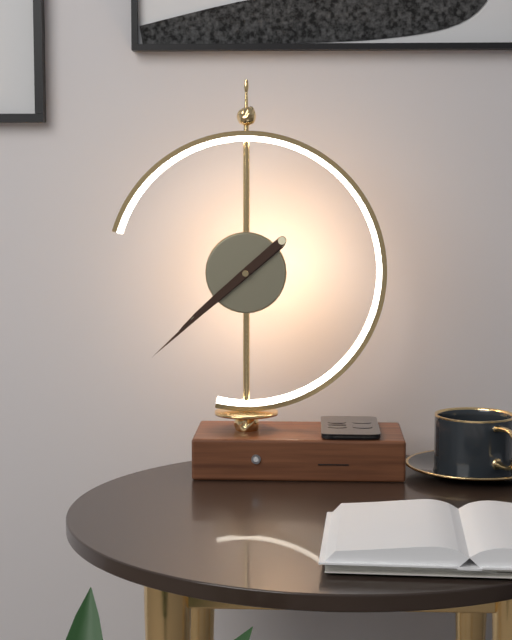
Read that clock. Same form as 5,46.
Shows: 7,38
